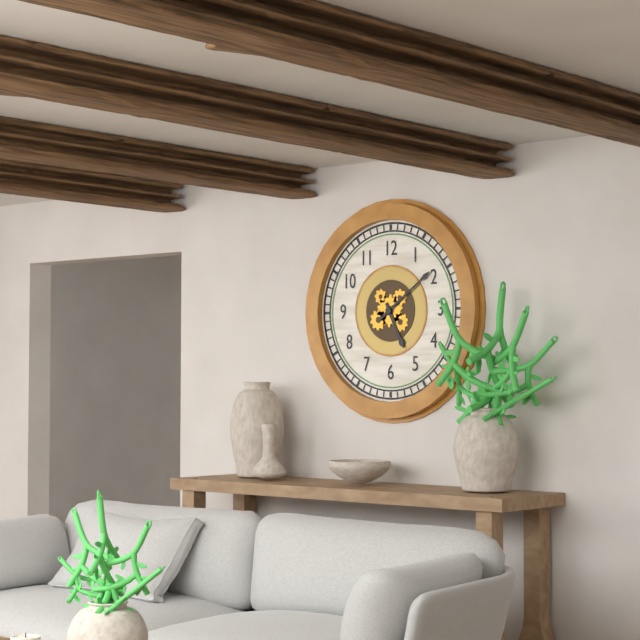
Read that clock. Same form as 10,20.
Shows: 5,09
